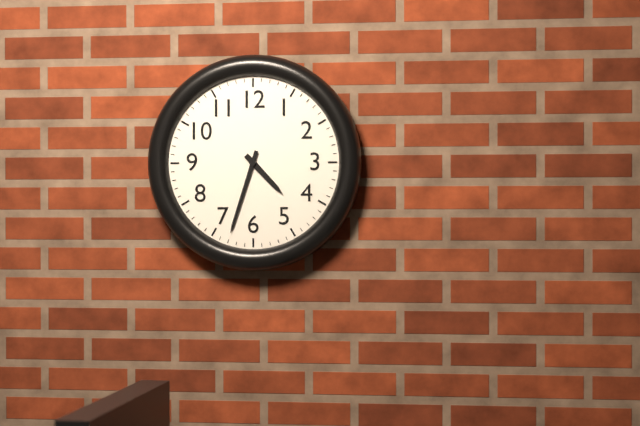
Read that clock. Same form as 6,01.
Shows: 4,33
